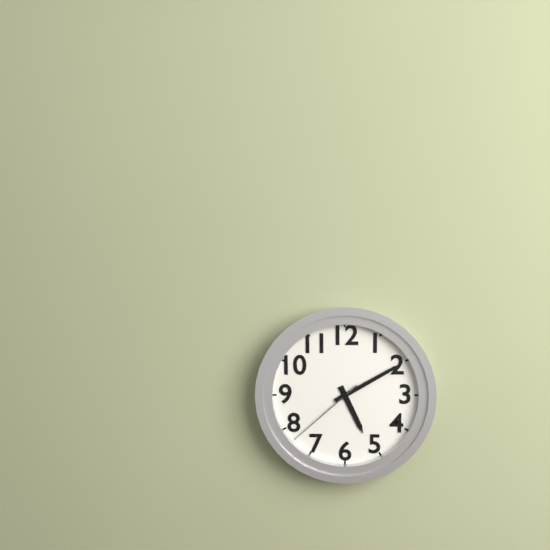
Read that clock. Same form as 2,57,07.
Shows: 5,10,38
